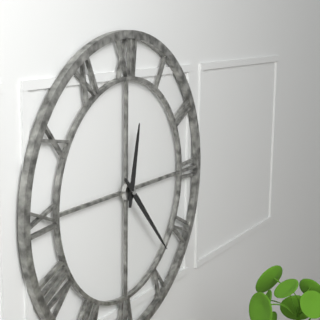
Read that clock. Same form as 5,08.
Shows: 12,23
